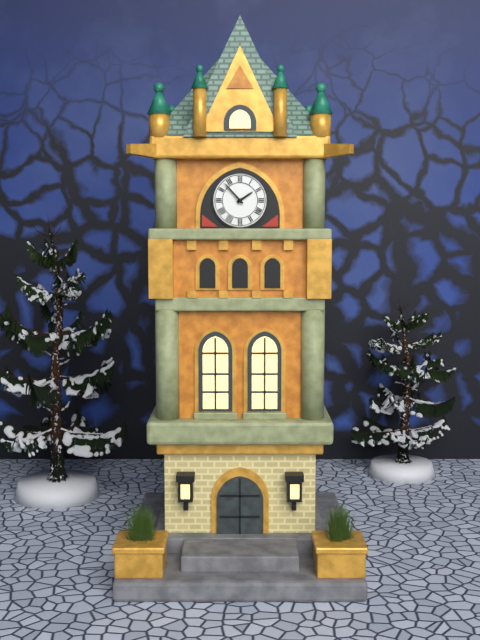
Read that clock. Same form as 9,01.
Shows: 1,53
